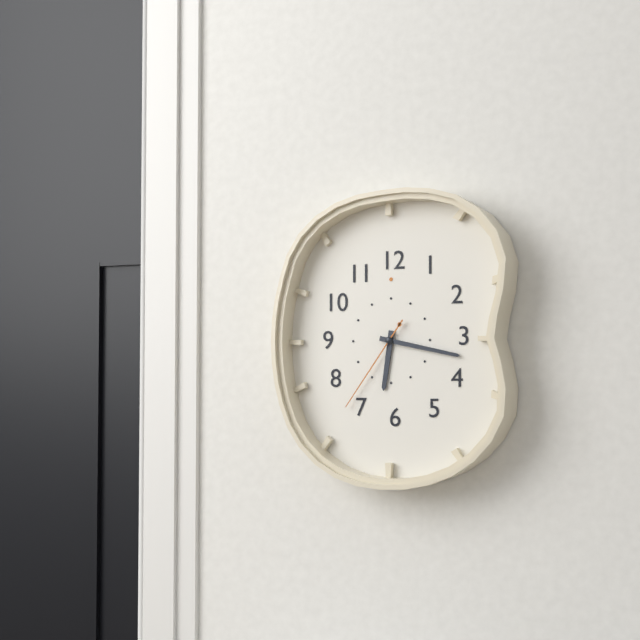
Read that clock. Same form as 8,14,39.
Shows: 6,17,36
